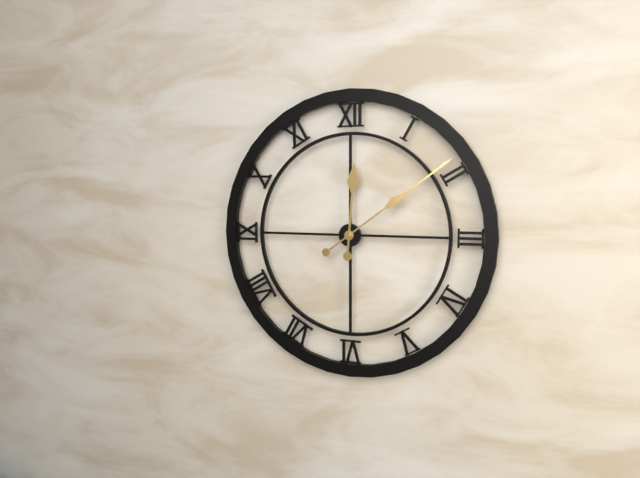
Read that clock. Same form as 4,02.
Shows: 12,09
